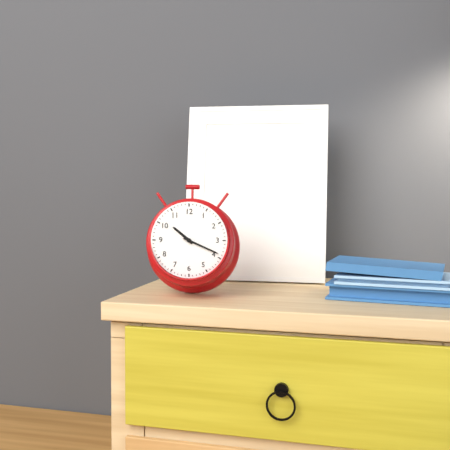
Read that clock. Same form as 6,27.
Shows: 10,19
